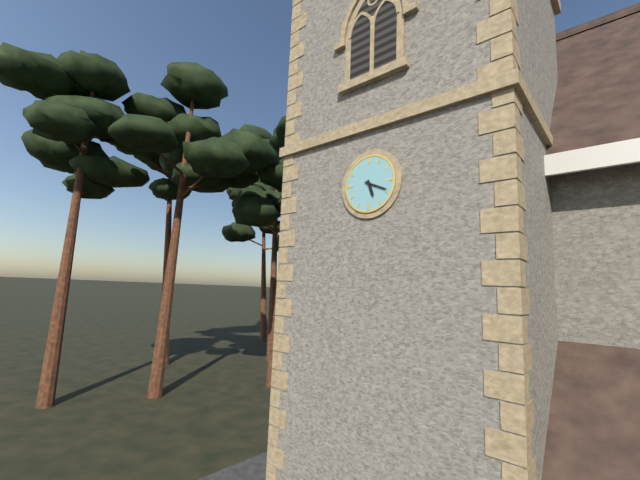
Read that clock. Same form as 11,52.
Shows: 5,19
